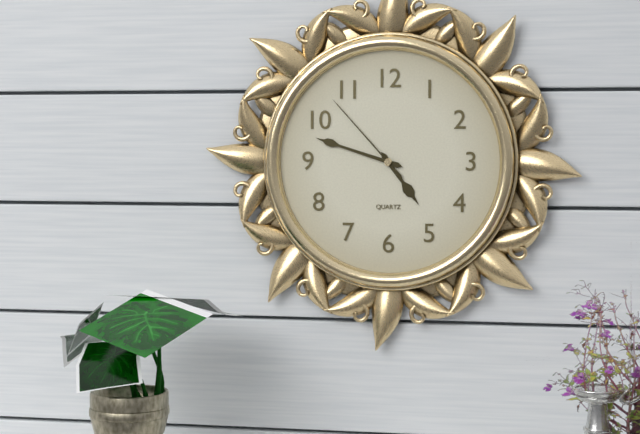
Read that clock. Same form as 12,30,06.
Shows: 4,48,53
